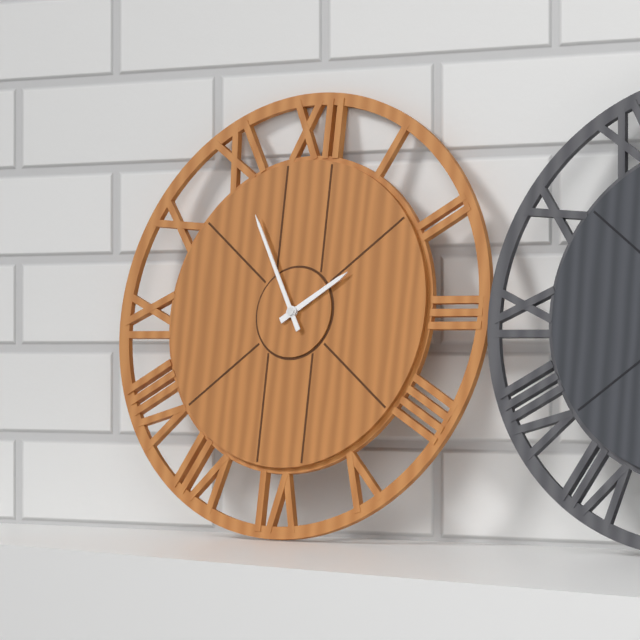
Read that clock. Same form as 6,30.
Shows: 1,55
